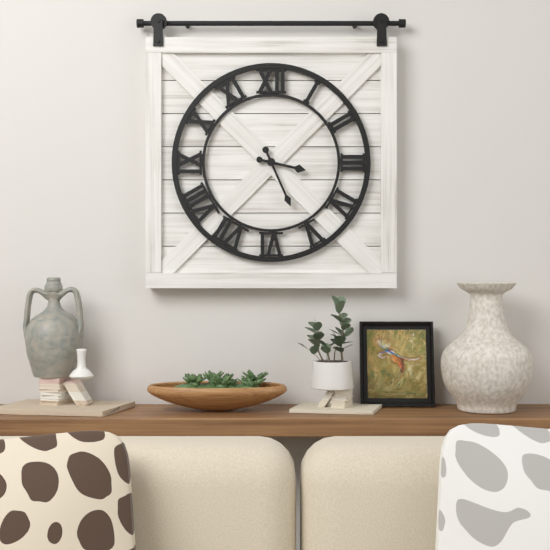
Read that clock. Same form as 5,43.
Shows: 3,26
